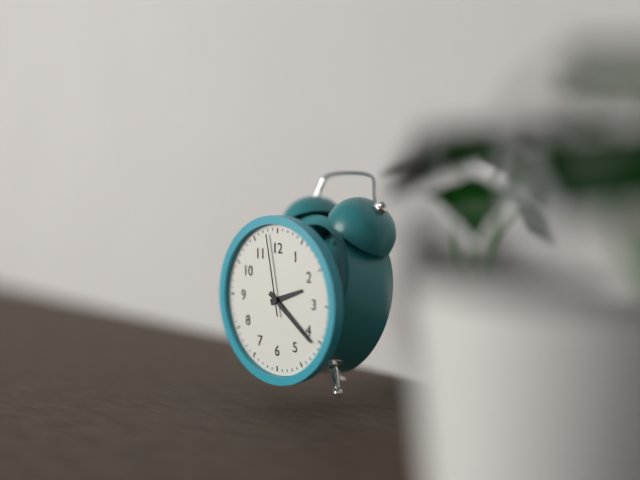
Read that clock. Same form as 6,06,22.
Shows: 2,21,58
